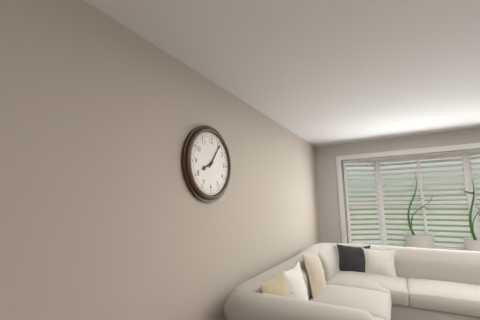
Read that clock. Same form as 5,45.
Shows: 8,06
